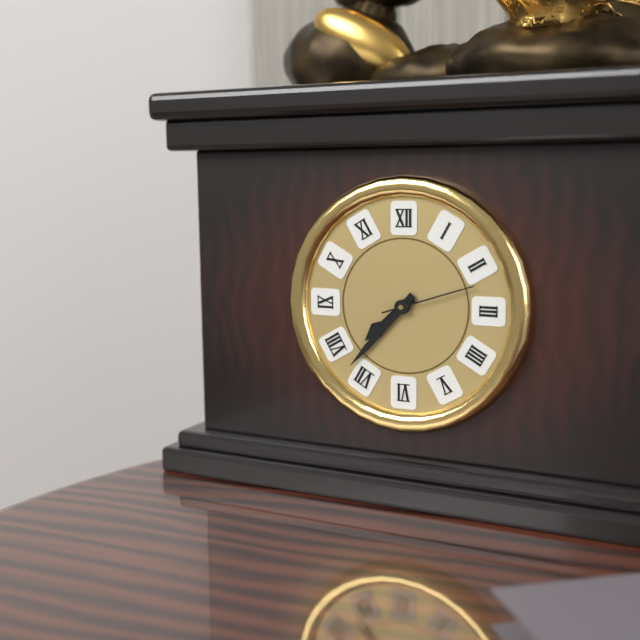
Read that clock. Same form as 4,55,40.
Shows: 7,37,12
